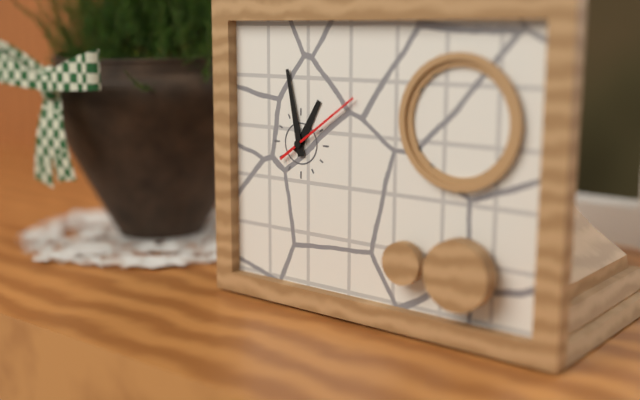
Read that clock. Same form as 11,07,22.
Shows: 12,58,09
